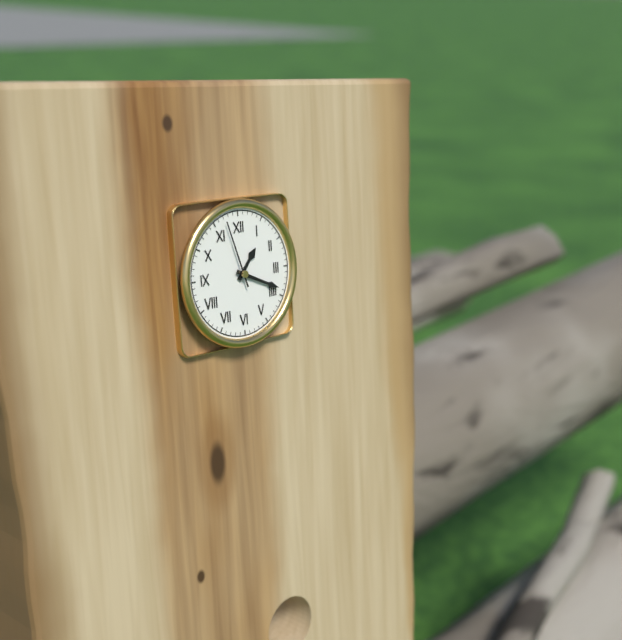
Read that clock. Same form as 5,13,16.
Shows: 1,19,57
